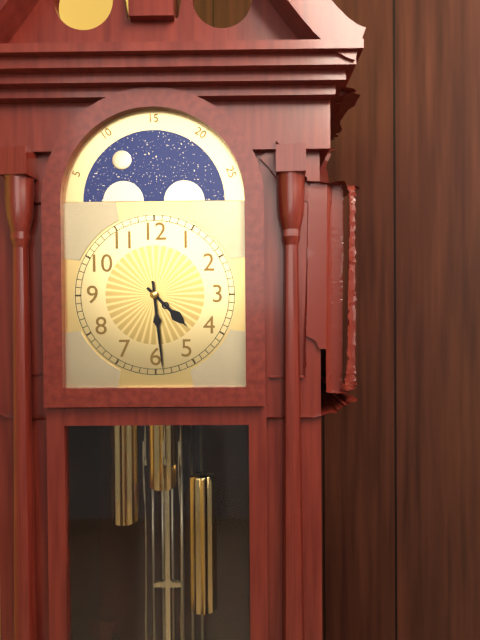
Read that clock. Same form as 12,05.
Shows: 4,29
